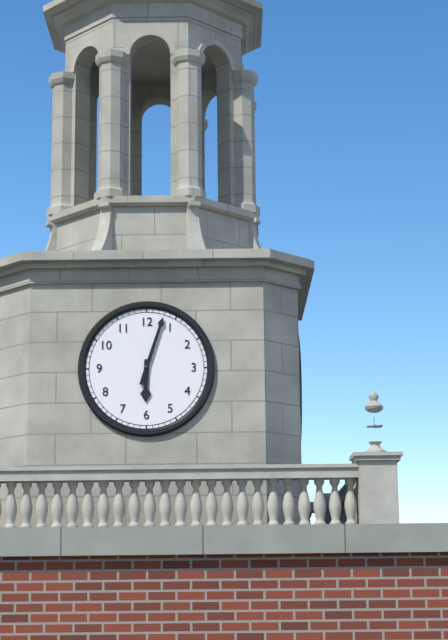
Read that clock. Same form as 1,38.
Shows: 6,03
